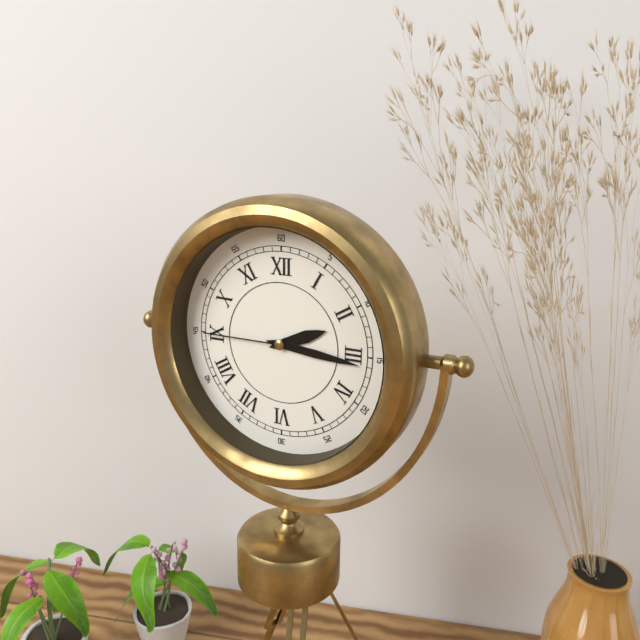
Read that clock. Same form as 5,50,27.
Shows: 2,16,45
